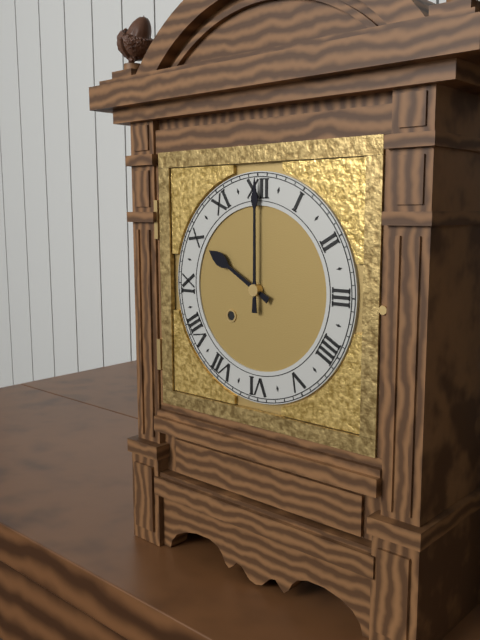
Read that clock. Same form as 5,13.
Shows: 10,00
